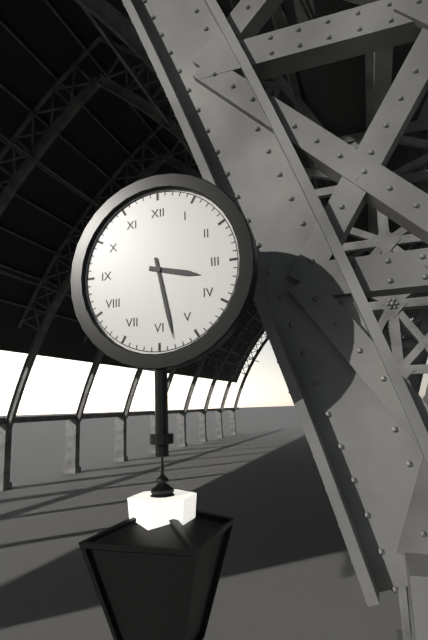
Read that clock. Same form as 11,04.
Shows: 3,28
